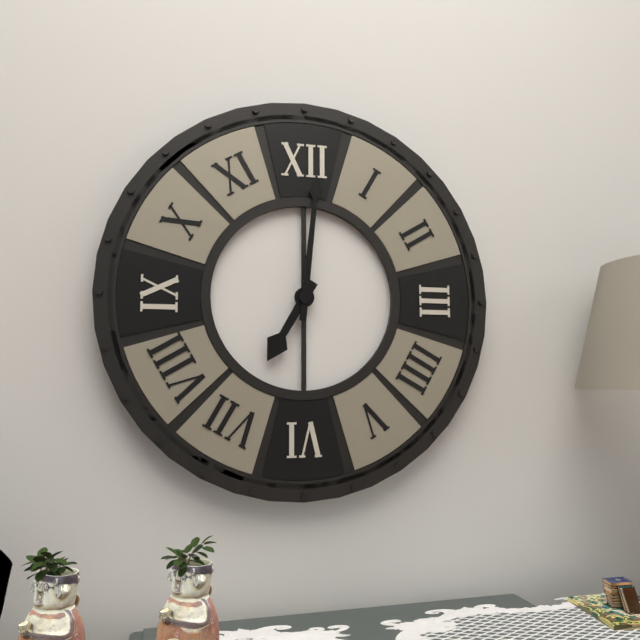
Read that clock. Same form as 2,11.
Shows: 7,01
